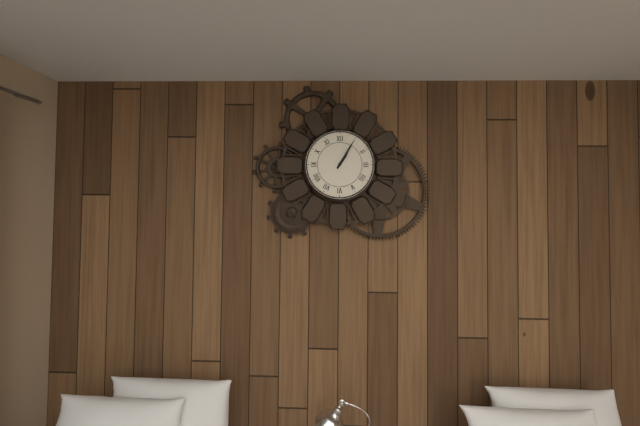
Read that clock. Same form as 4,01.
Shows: 1,05
